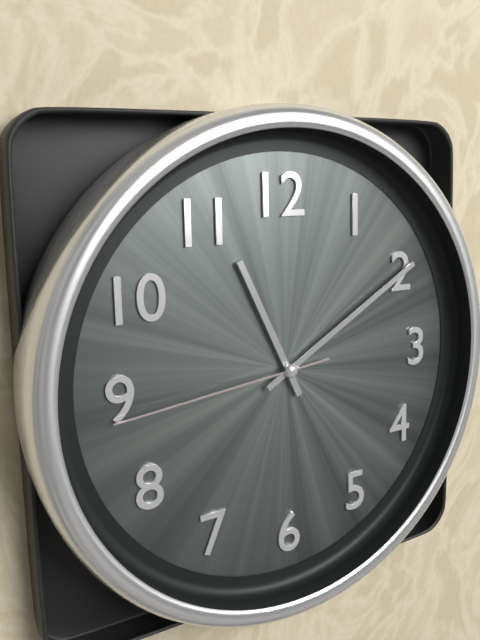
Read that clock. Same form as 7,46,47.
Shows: 11,10,44
